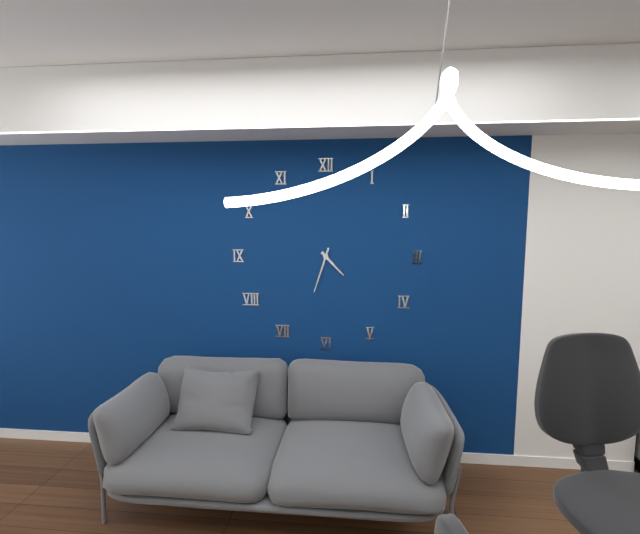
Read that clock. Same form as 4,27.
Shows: 4,33
